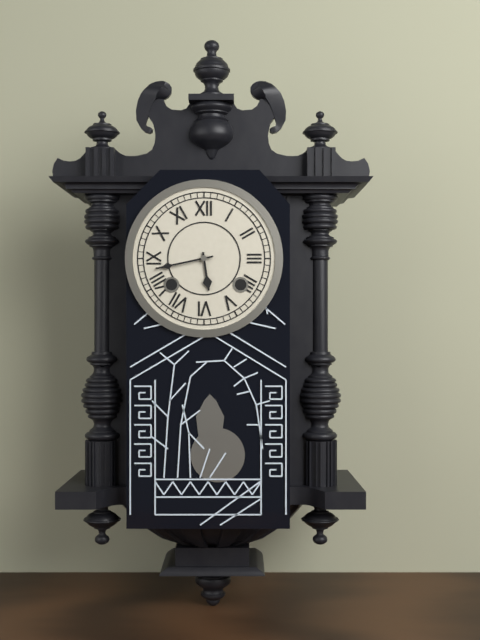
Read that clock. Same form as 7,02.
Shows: 5,43
